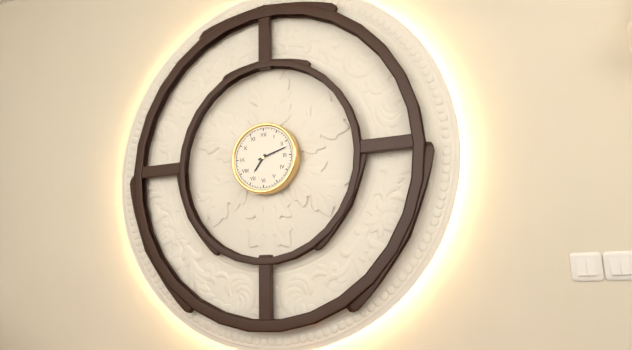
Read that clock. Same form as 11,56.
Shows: 7,12
